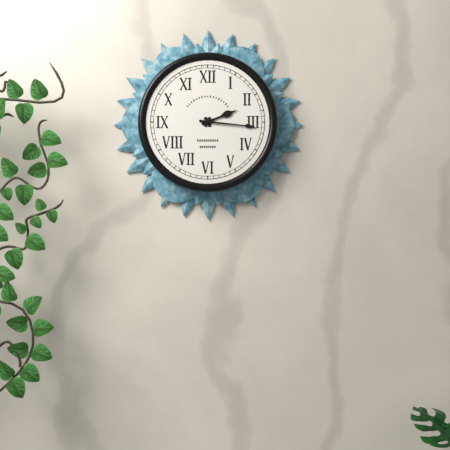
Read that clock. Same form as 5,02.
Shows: 2,16
